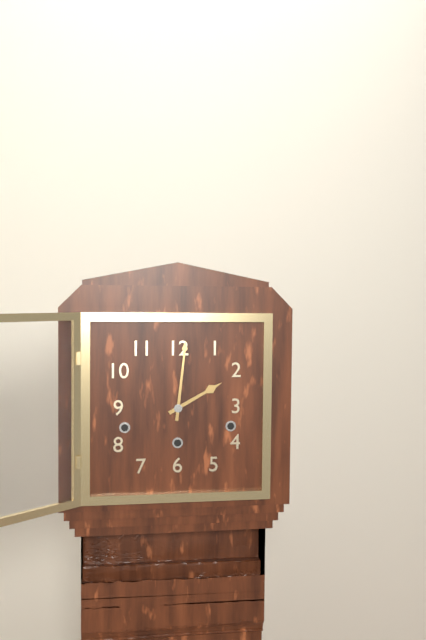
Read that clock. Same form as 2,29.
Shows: 2,01
